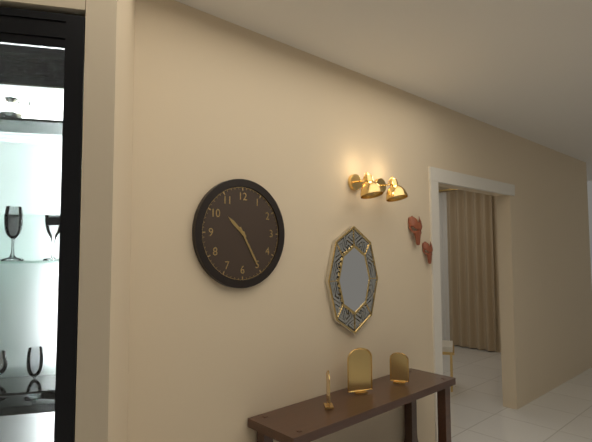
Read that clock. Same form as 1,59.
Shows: 10,25
